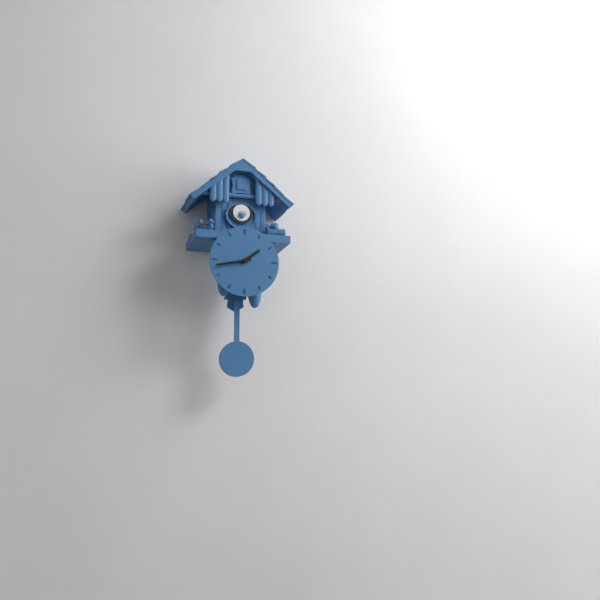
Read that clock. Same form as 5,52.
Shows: 1,43
